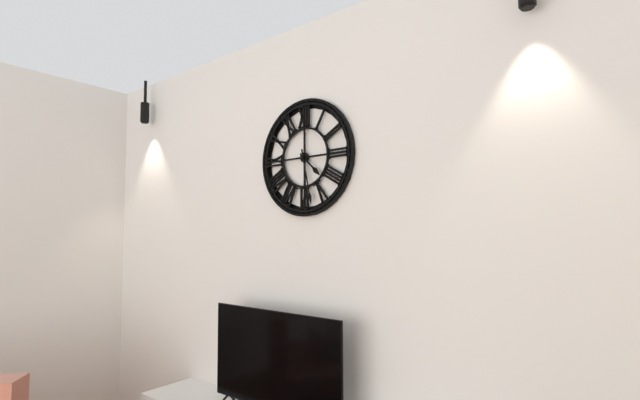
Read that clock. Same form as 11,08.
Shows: 4,28
